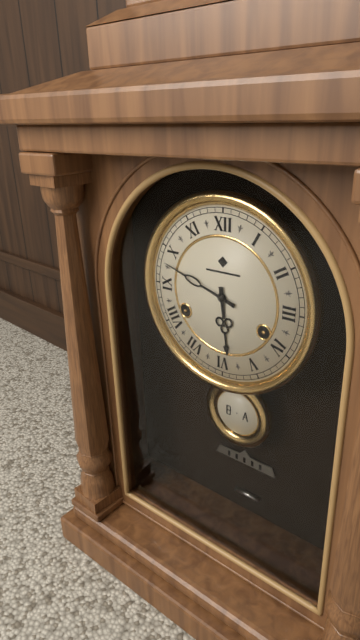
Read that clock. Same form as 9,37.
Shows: 5,48
